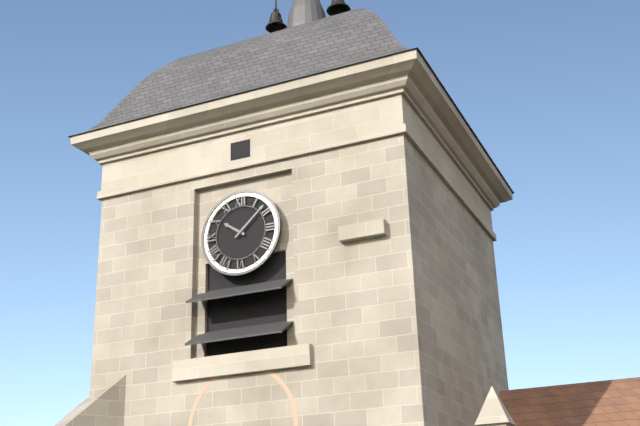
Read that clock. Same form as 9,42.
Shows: 10,08
